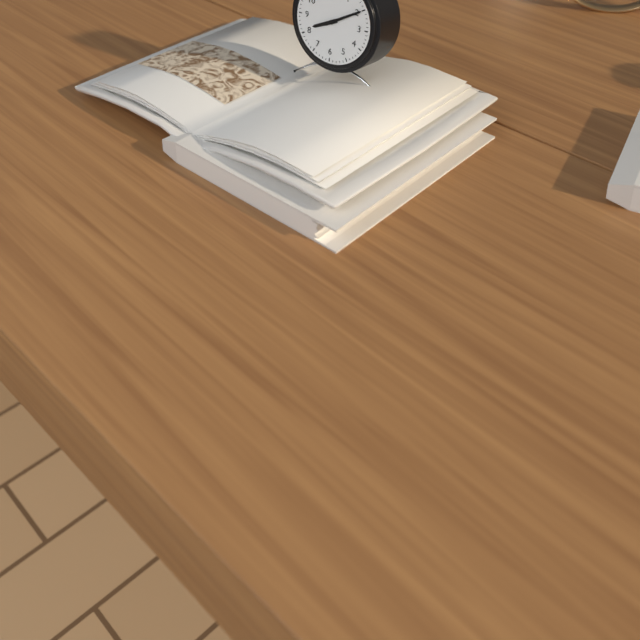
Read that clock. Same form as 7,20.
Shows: 8,10
